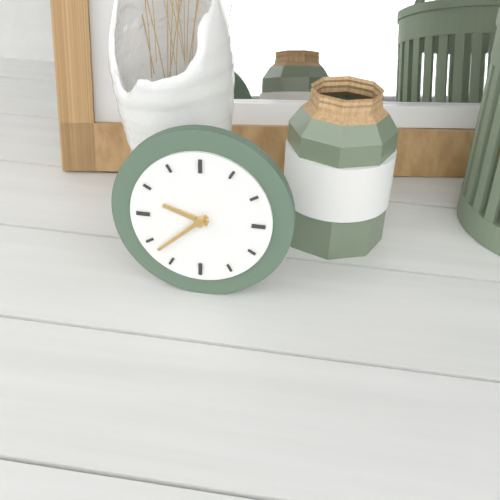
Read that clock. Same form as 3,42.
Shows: 9,38
